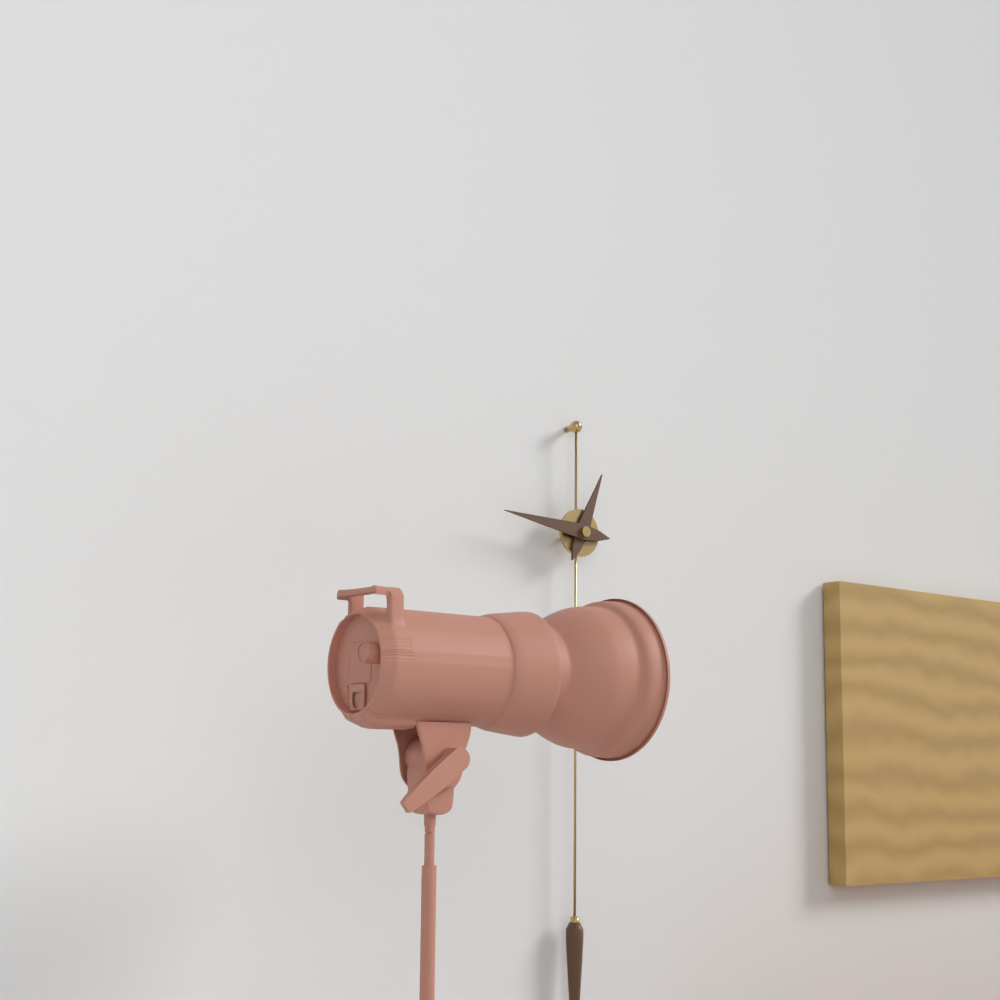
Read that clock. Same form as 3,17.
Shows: 12,46
